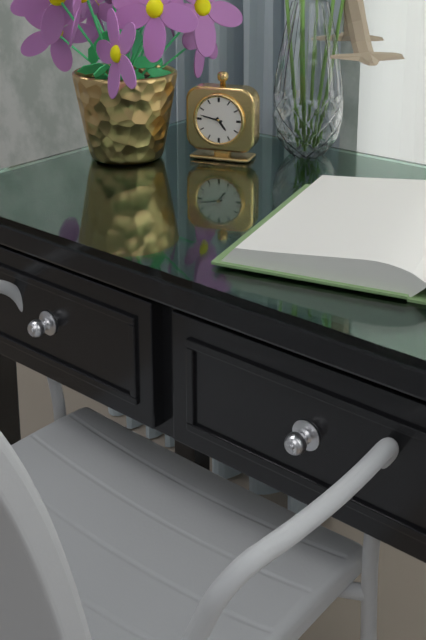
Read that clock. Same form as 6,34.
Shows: 4,47
